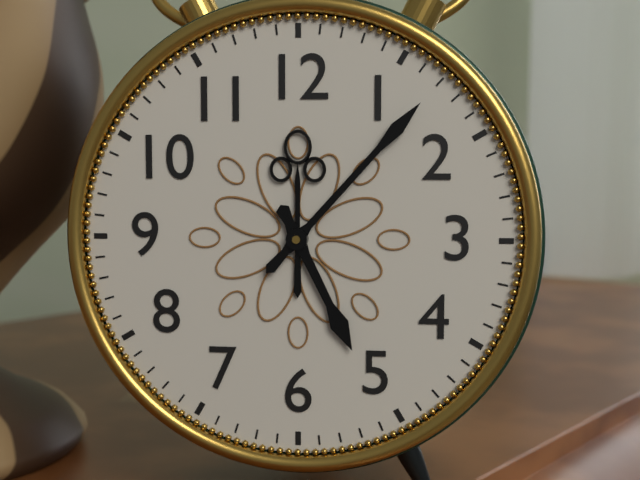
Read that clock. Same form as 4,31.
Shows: 5,07
